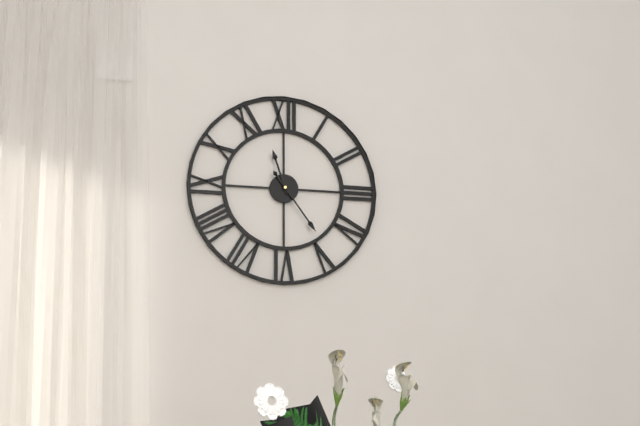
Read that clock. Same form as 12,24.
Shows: 11,24
